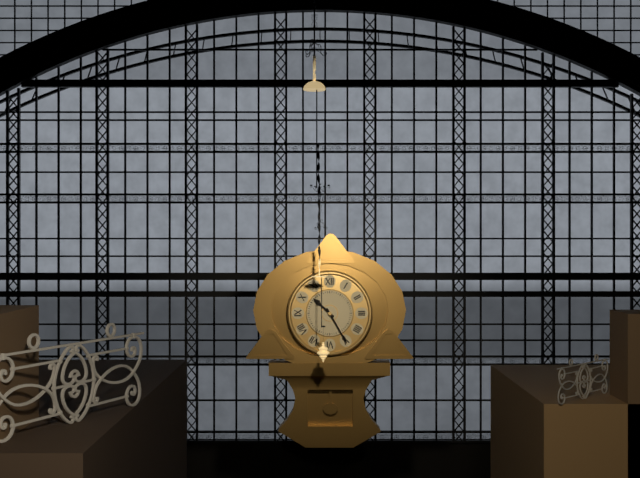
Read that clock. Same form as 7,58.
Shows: 10,25
